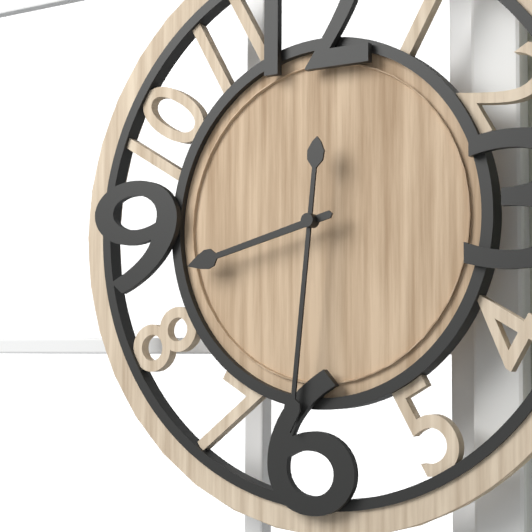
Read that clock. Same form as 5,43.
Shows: 8,31
